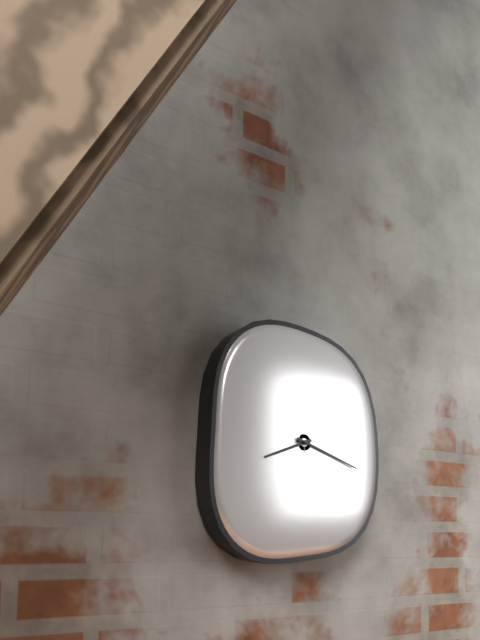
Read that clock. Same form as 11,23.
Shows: 8,18
